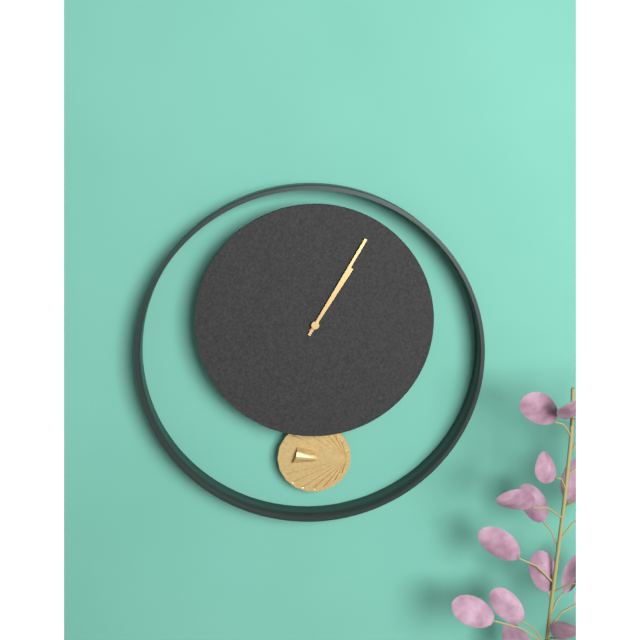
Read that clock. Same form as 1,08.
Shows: 1,05
